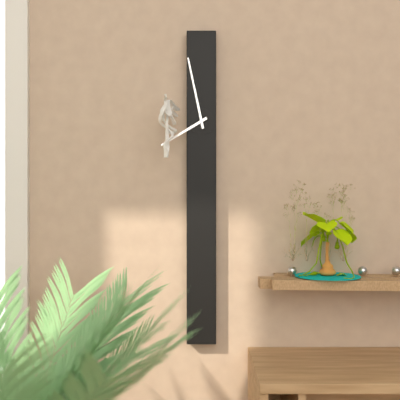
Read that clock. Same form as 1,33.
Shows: 7,58
